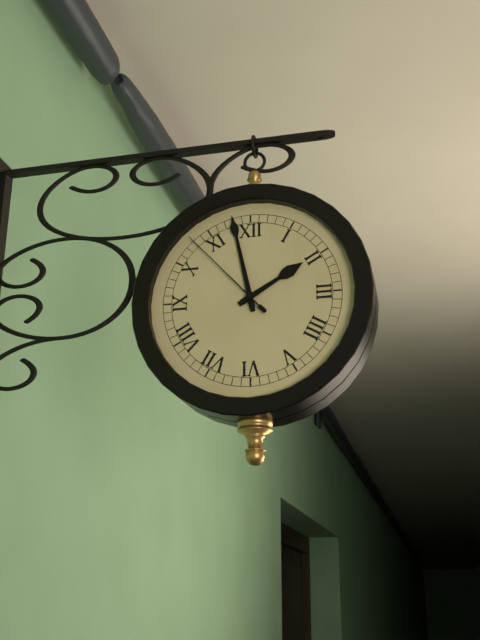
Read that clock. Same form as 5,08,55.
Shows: 1,58,53
